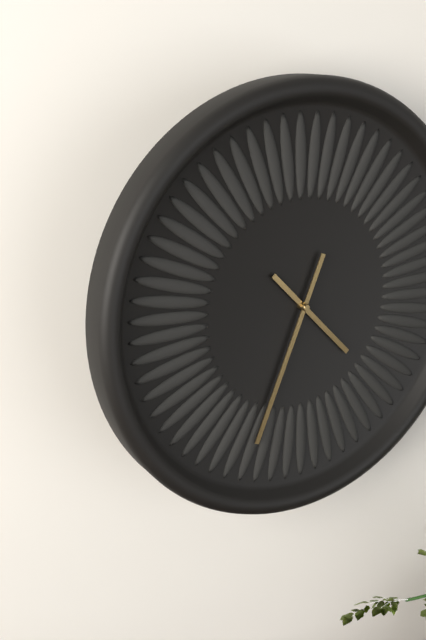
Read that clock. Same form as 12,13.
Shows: 4,34
